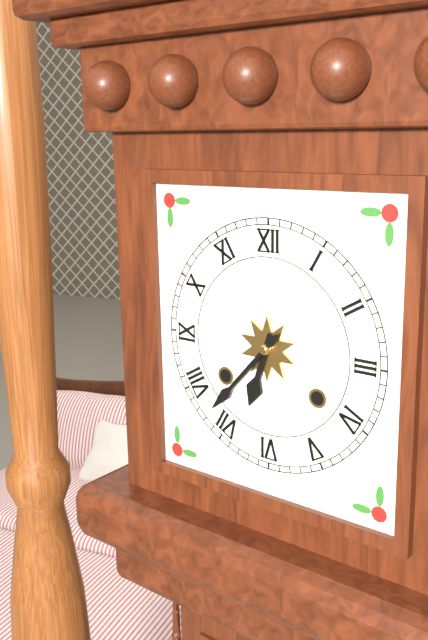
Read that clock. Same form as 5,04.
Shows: 6,37
